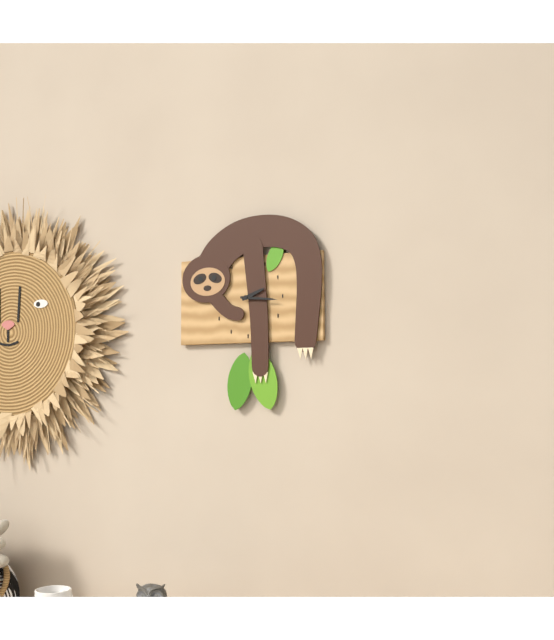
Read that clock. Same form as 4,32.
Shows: 2,16
